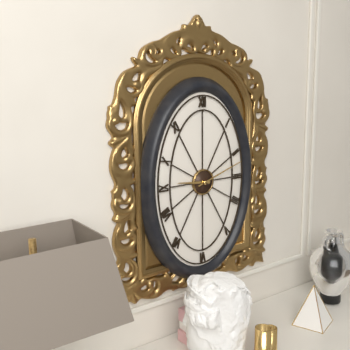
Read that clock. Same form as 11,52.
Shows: 9,12
